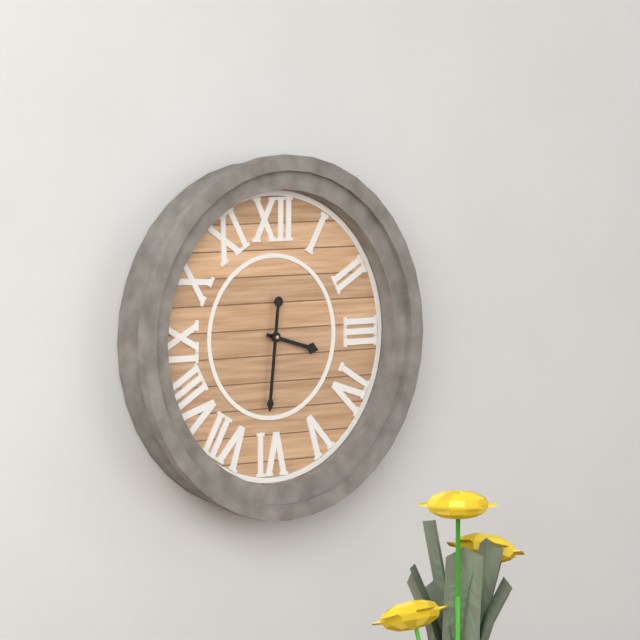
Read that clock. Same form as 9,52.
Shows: 3,31
